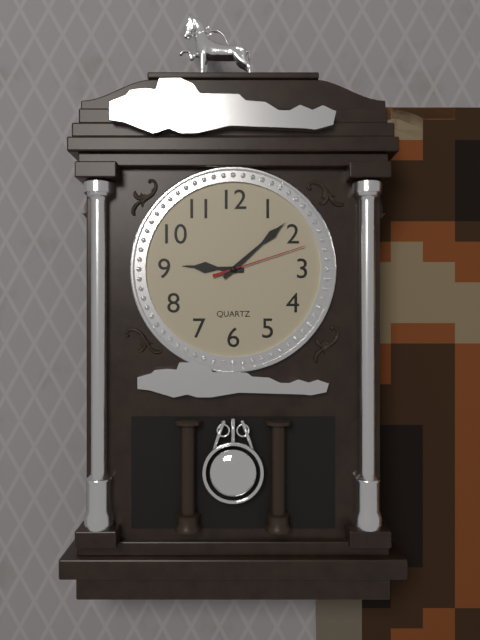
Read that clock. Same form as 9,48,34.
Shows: 9,08,12
